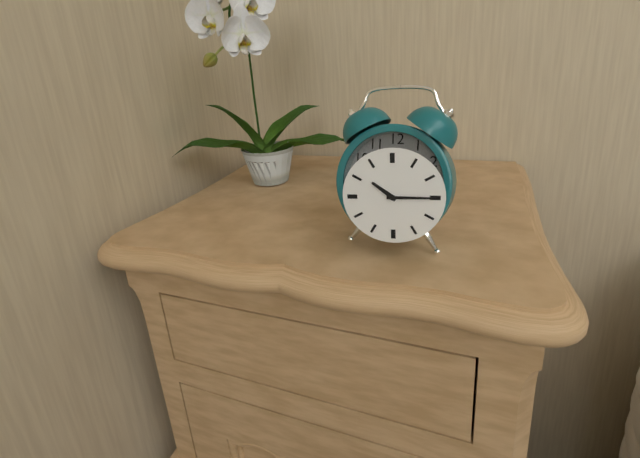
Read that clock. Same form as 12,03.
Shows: 10,15
